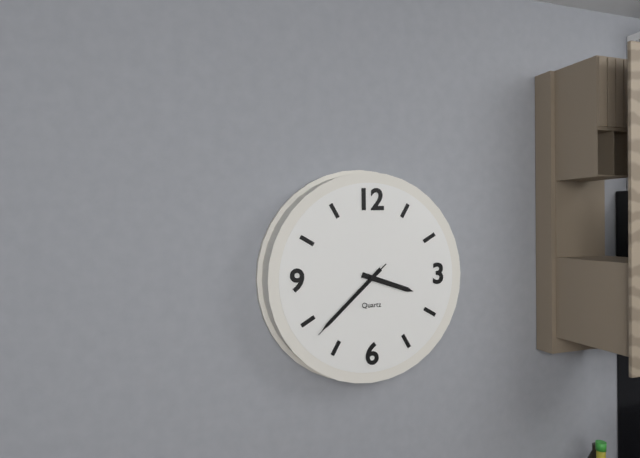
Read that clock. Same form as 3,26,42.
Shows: 3,38,38
